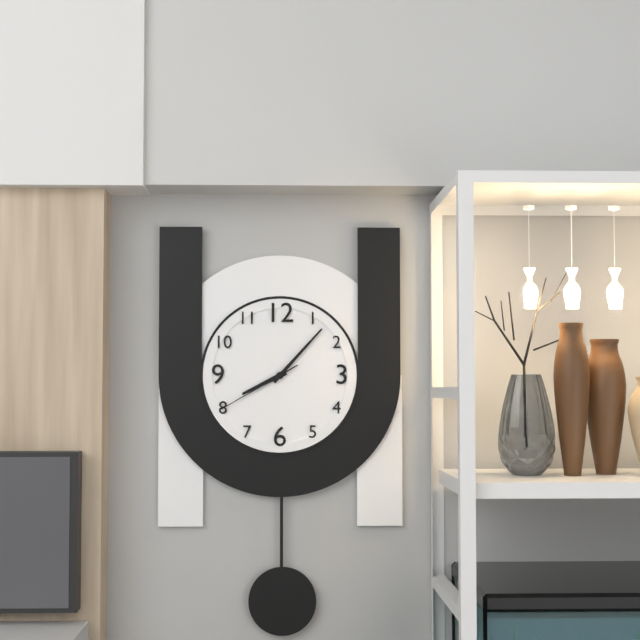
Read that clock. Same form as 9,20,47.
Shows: 8,07,40
